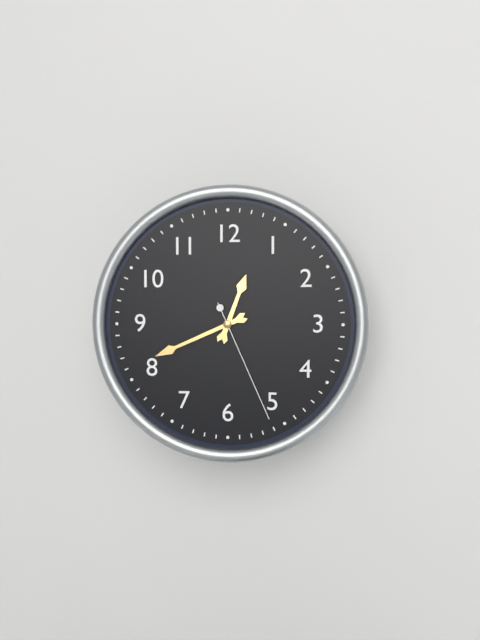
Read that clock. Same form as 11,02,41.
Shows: 12,41,26
